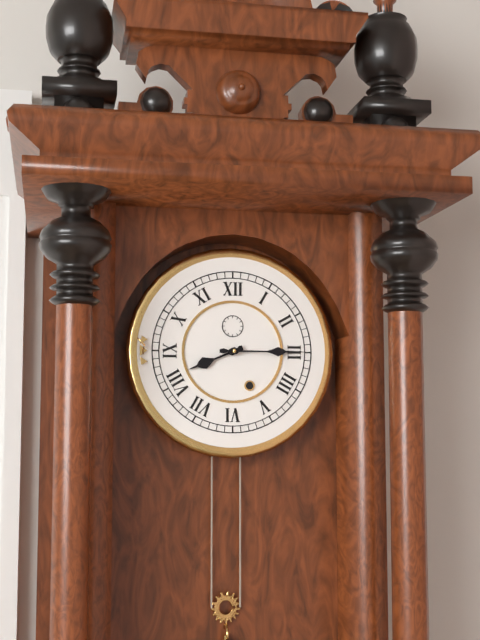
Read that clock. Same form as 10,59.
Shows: 8,15
